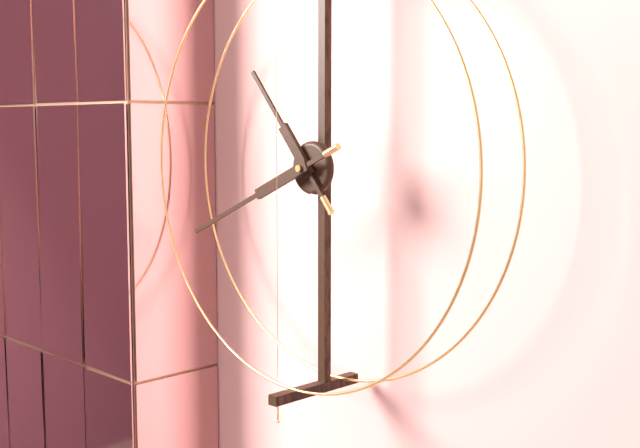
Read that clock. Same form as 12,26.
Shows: 10,41
